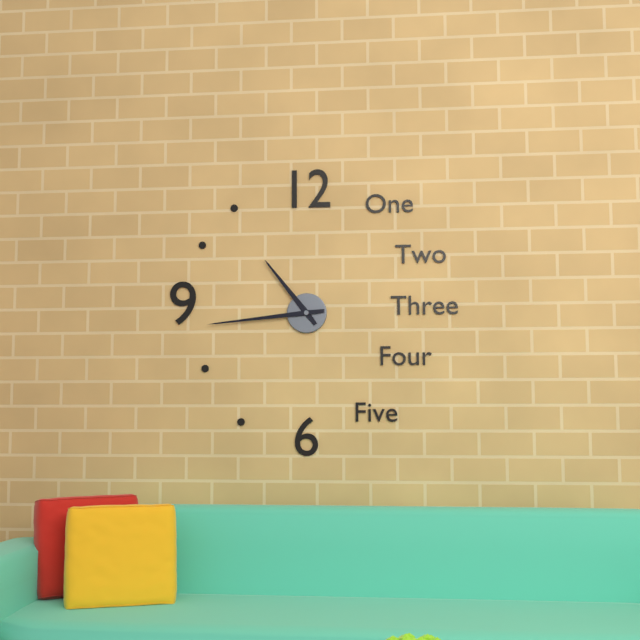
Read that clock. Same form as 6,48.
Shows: 10,44
